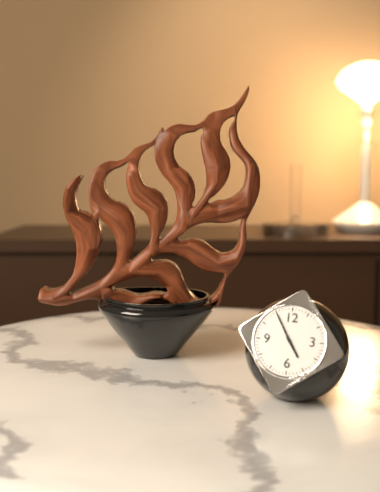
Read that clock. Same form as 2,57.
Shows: 4,55
